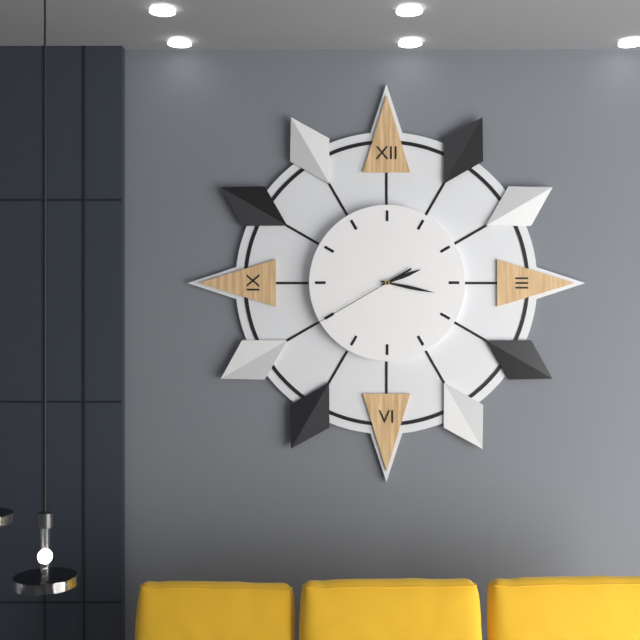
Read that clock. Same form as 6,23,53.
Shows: 2,17,40
